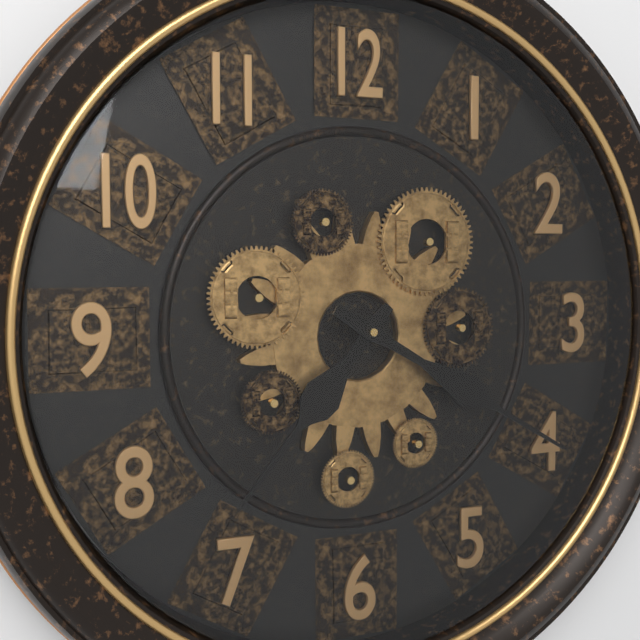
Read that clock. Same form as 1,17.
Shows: 7,20
